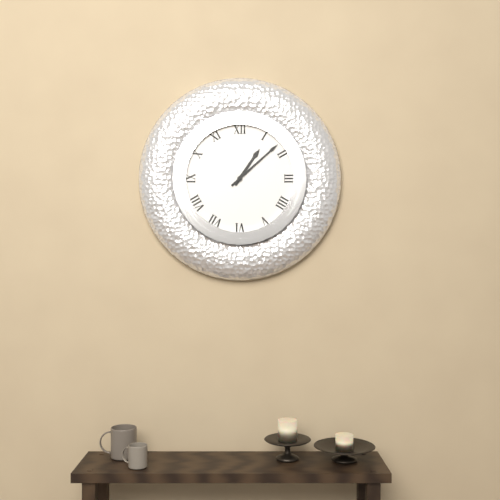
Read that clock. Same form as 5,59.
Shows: 1,08
